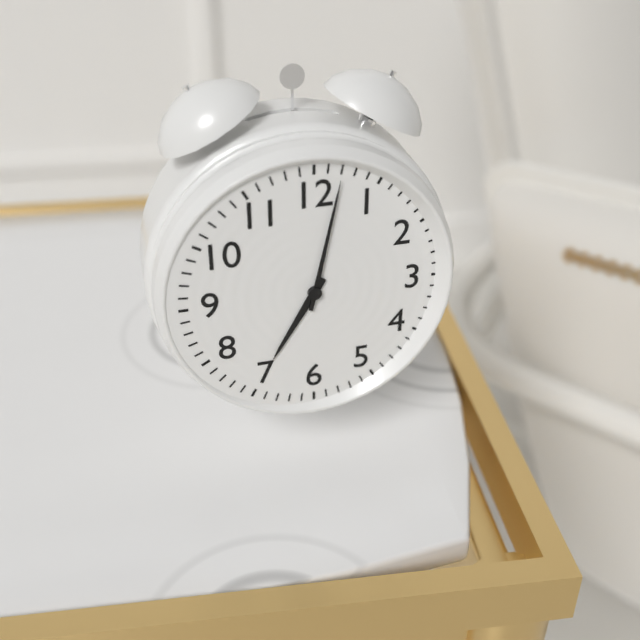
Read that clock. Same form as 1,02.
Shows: 7,02
